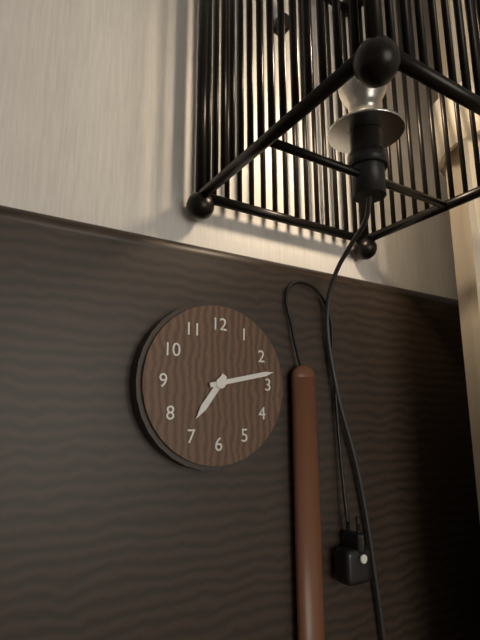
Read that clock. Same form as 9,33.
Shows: 7,13
